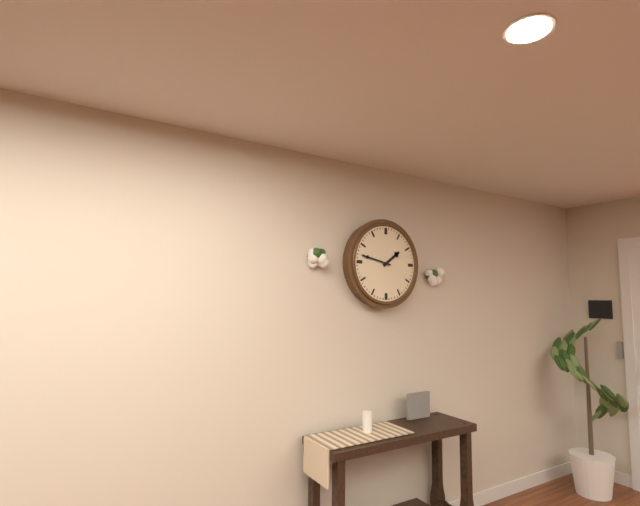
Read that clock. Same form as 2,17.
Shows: 1,47
